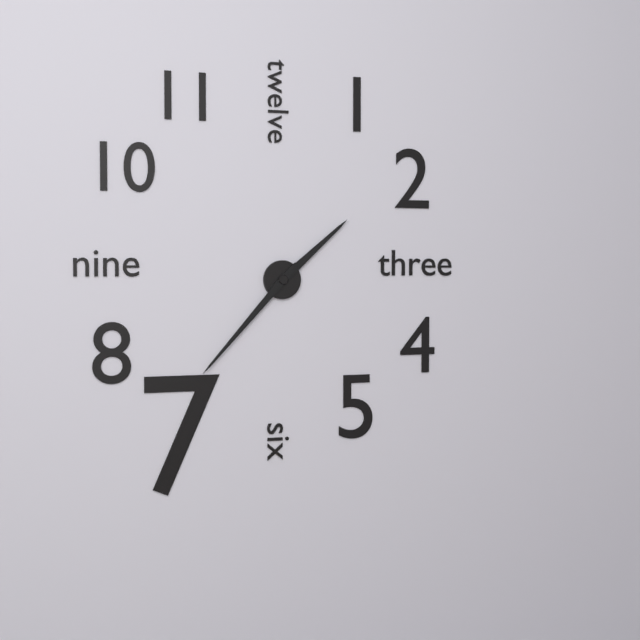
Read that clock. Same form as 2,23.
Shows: 1,37
